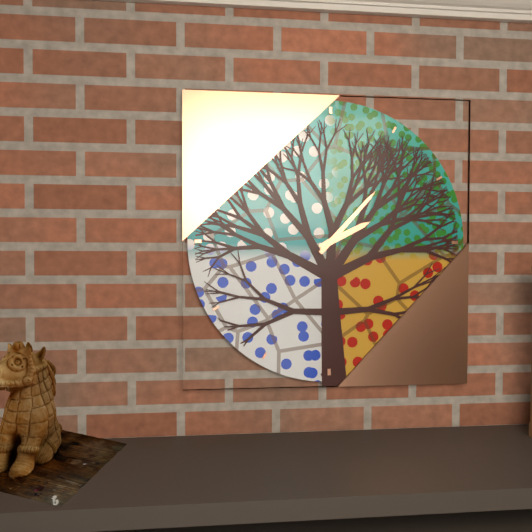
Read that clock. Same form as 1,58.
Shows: 2,07
